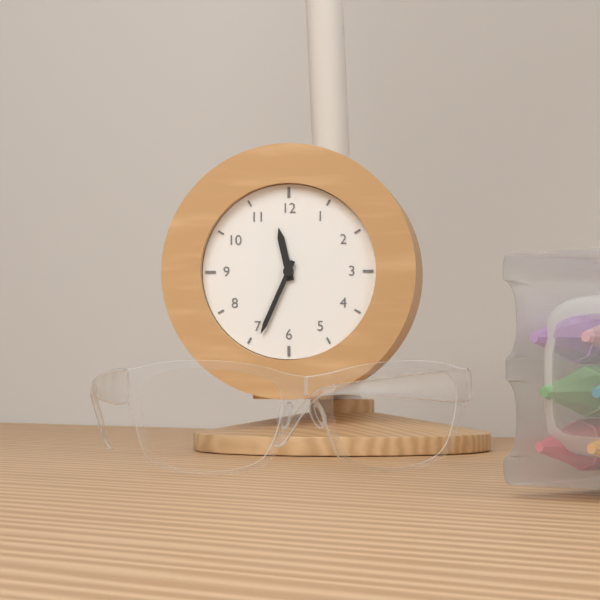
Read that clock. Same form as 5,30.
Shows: 11,34
